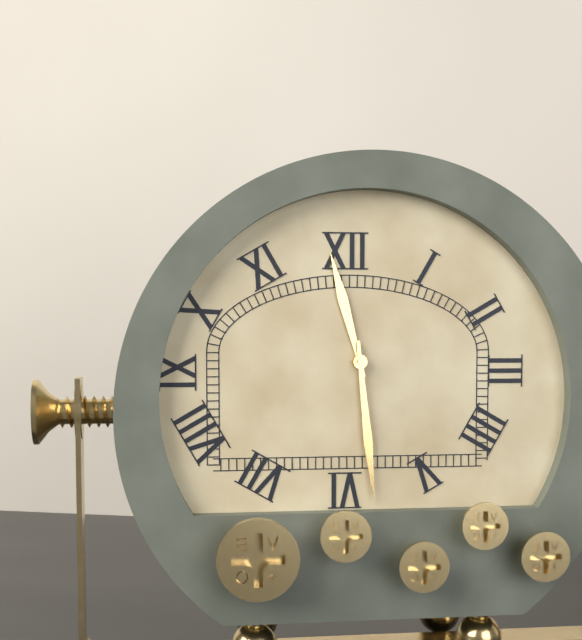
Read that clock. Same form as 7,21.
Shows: 11,29
